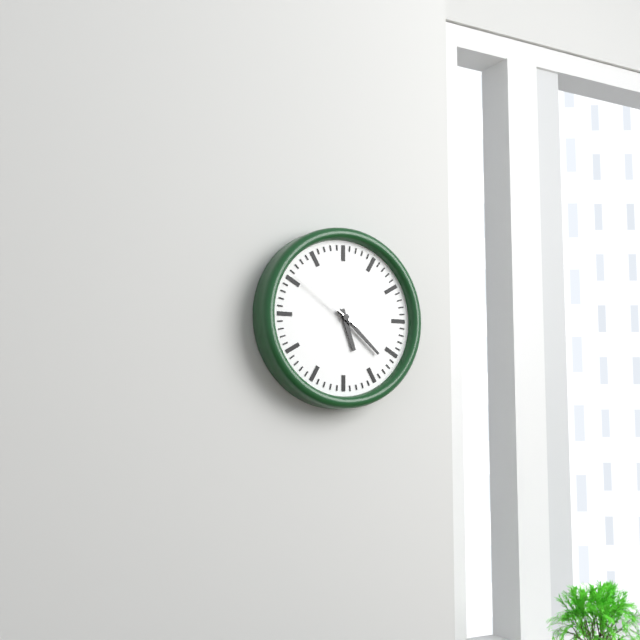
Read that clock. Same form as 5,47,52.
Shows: 5,22,51
